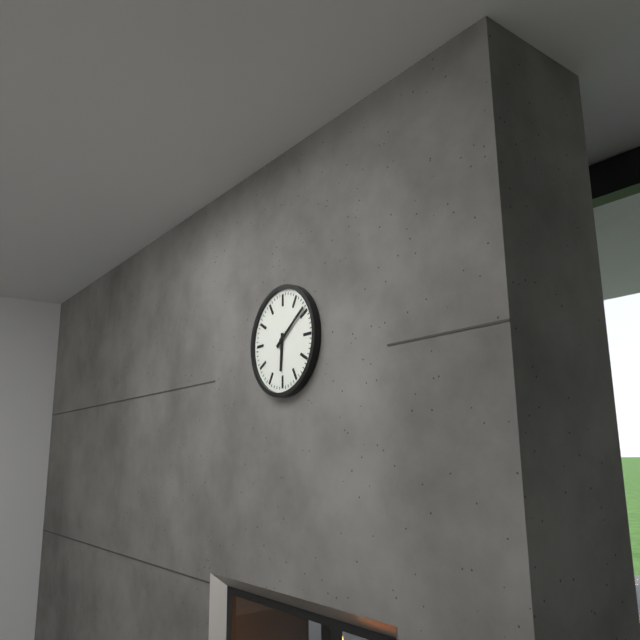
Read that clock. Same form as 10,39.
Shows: 6,09
